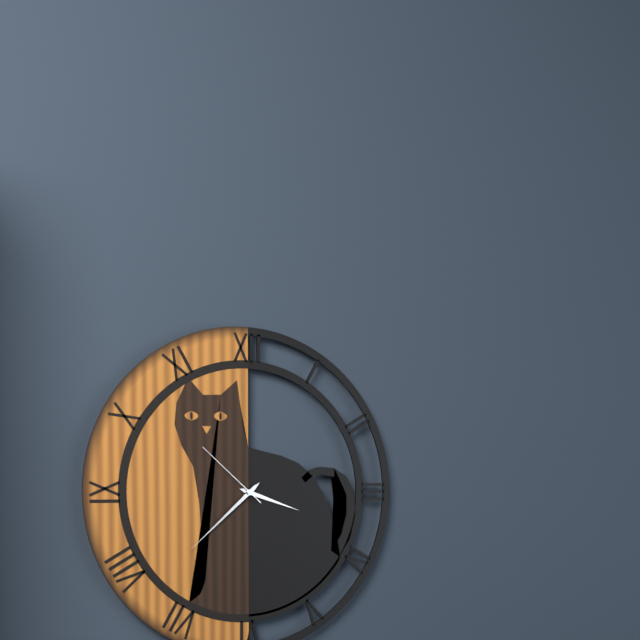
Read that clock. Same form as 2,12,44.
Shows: 3,38,52
